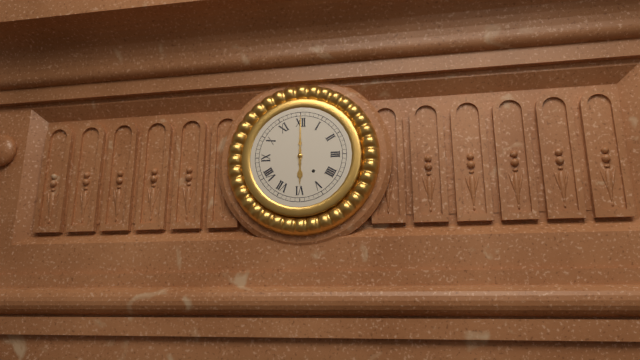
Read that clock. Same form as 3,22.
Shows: 6,00
